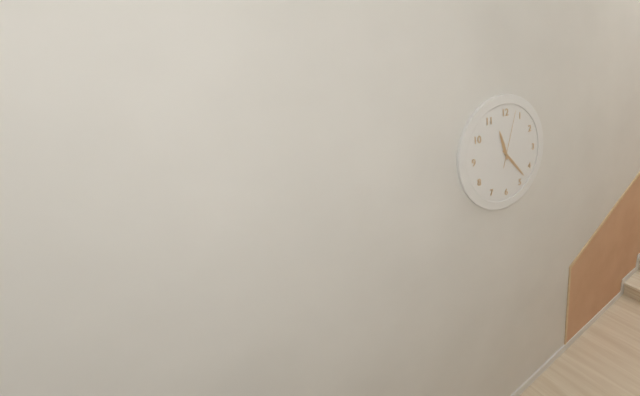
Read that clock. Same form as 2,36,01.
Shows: 11,23,03
